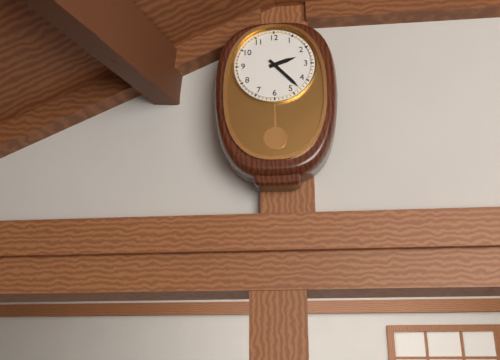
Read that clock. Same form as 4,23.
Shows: 2,23
